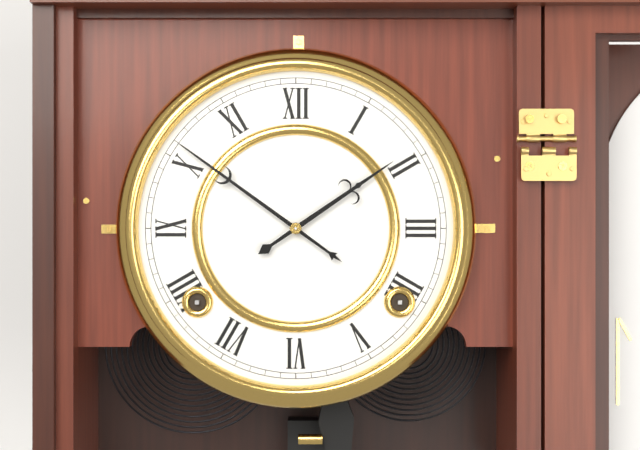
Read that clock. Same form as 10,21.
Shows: 1,51
